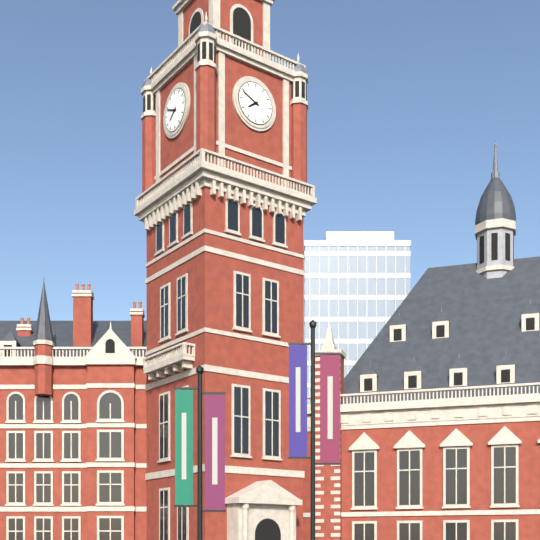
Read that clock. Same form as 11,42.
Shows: 7,49
